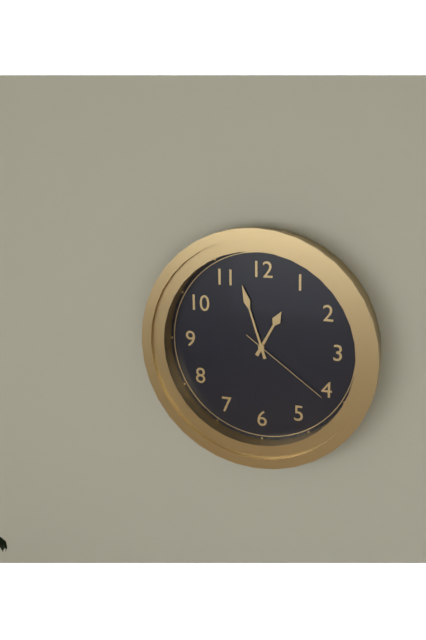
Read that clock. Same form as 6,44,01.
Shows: 12,57,21
